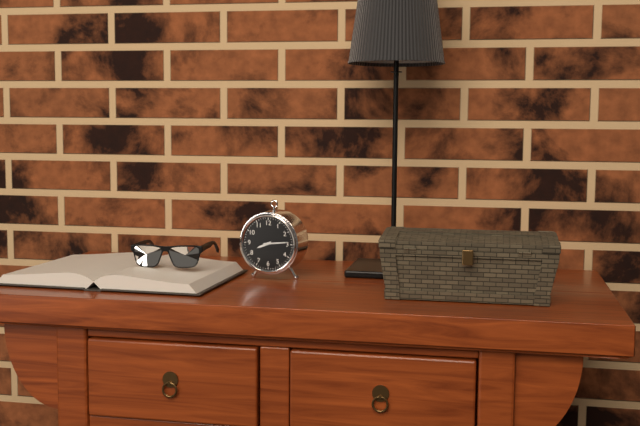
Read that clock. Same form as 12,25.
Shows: 8,14
